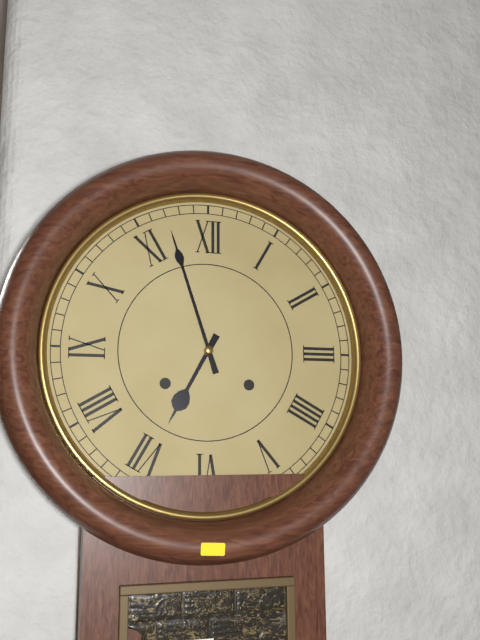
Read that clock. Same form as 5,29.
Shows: 6,57
